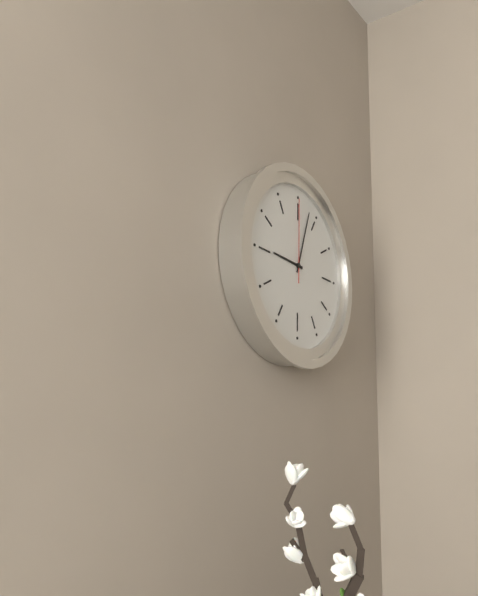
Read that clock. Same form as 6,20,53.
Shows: 9,03,00
